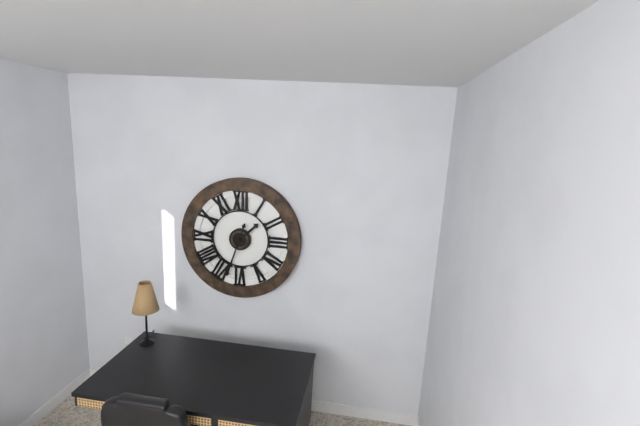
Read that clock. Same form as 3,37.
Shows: 1,33
